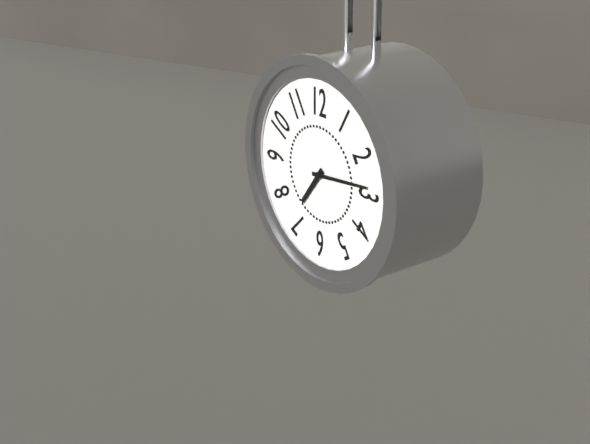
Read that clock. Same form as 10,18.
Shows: 7,14
